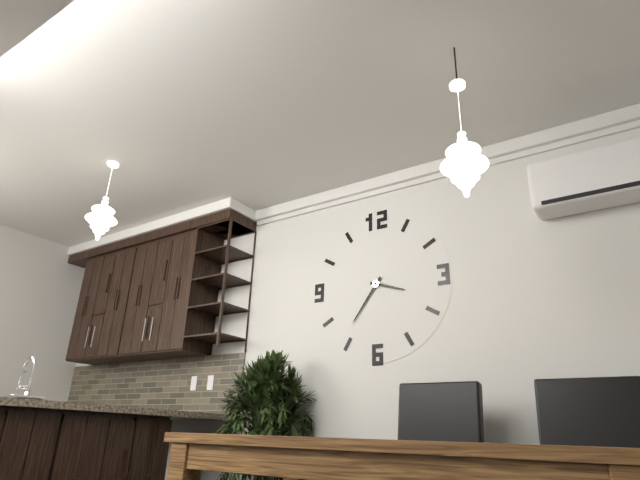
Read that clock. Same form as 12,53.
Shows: 3,36
